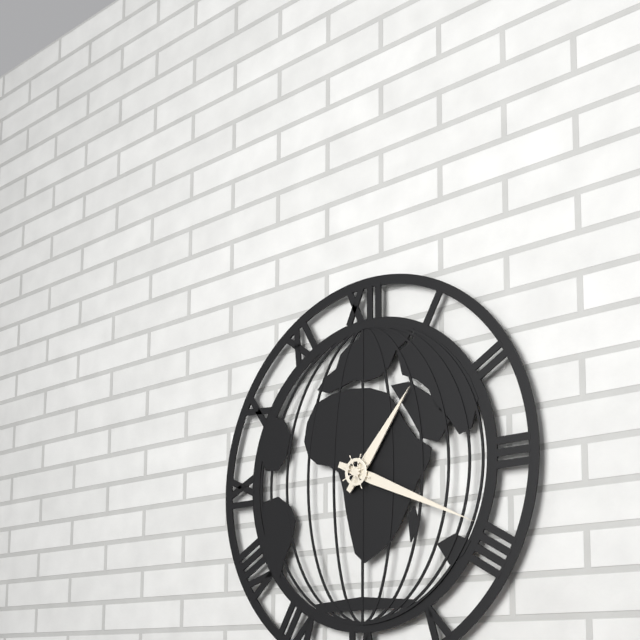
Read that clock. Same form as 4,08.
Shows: 1,19
